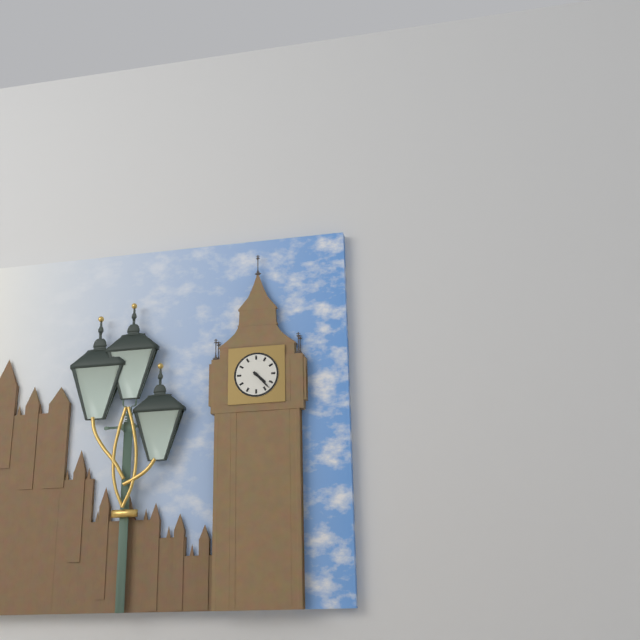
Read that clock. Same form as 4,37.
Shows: 4,23
